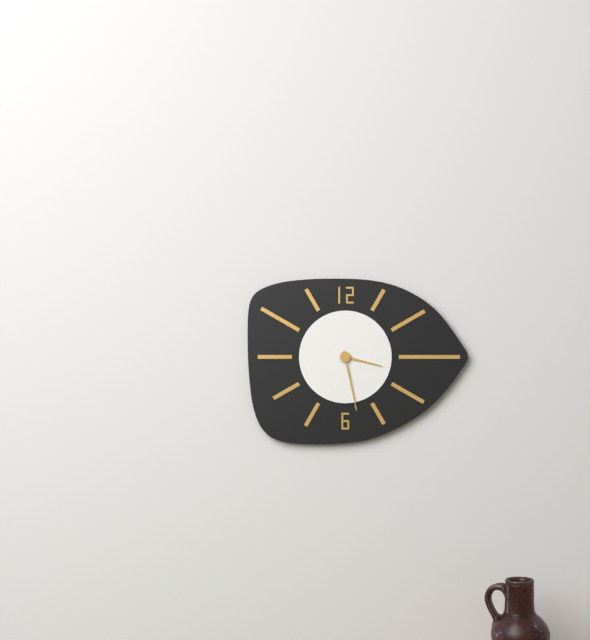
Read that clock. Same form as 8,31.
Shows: 3,28
